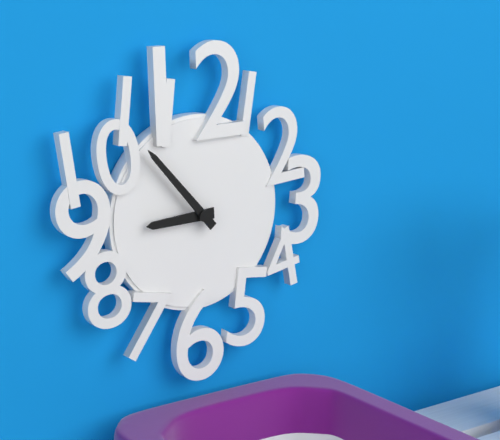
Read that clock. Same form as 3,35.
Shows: 8,53
